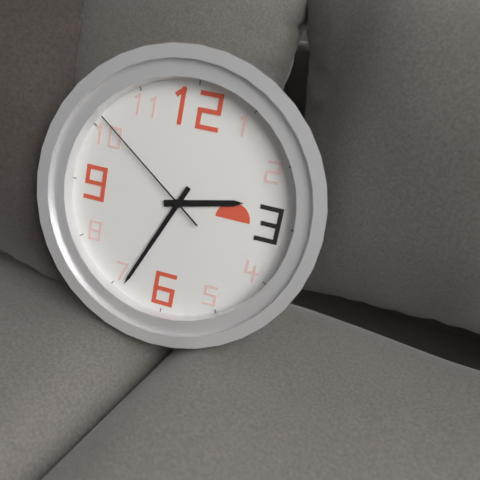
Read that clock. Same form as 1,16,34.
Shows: 2,34,51
